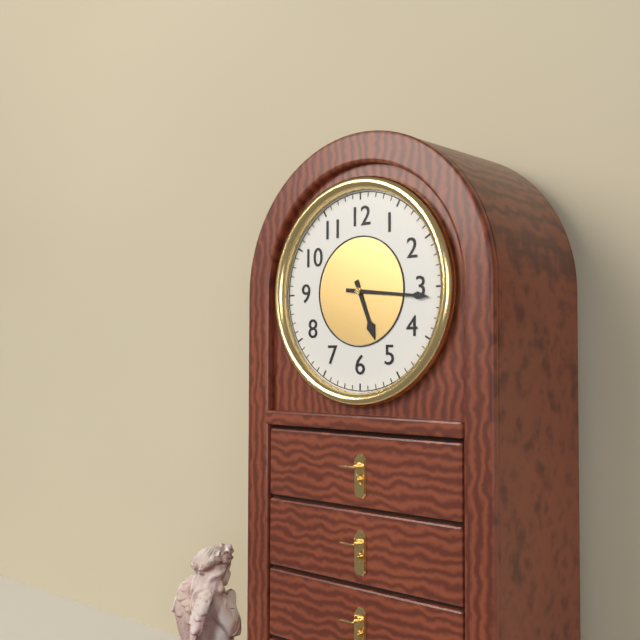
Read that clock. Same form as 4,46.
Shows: 5,16
